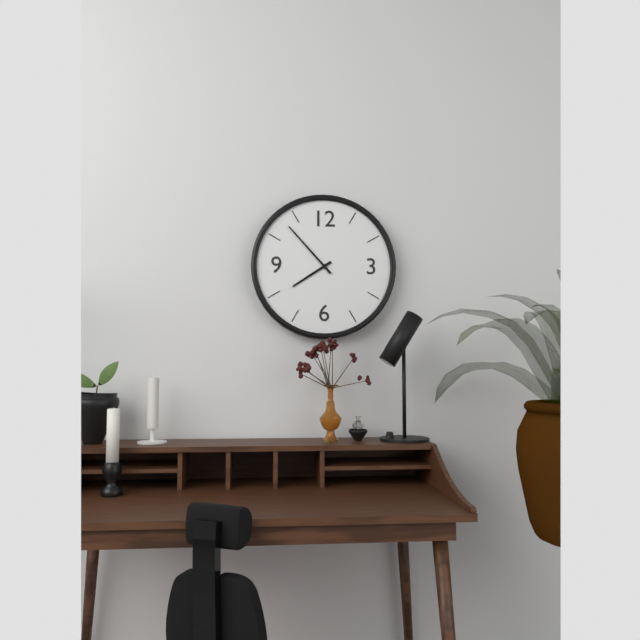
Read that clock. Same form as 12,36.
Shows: 7,53
